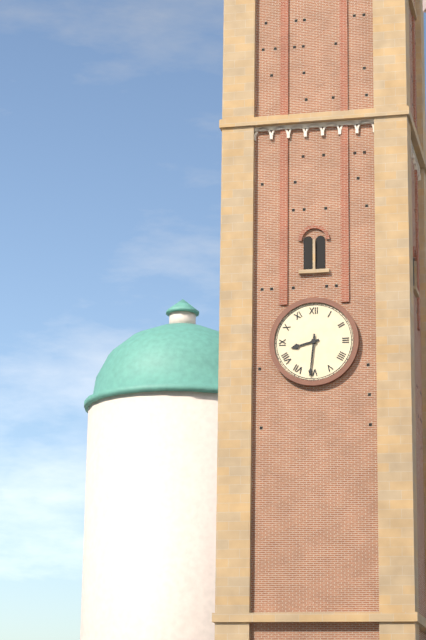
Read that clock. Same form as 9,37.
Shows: 8,31
